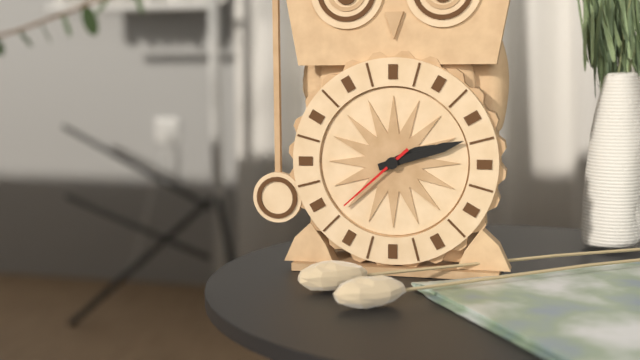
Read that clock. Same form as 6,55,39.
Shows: 2,12,38
